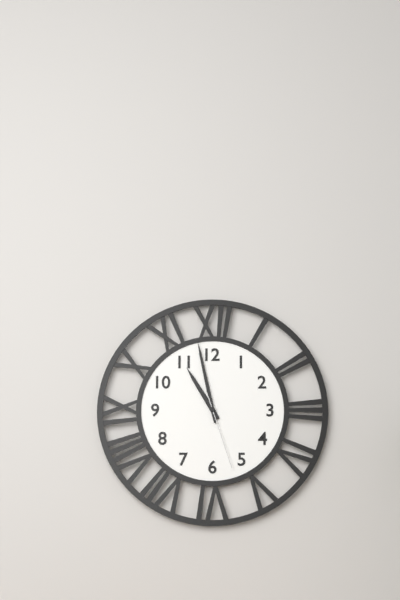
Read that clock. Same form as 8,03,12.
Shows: 10,58,27
